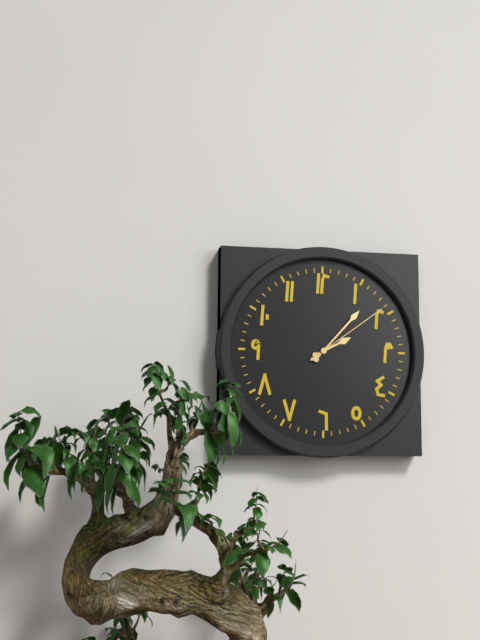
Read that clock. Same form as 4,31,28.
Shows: 2,07,09
